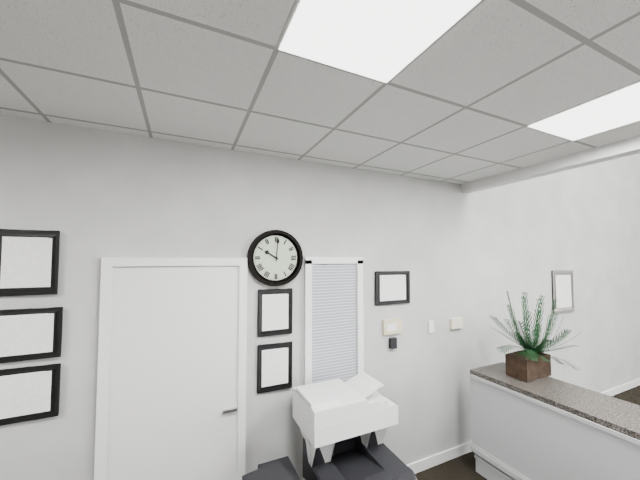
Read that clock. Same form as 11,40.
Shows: 10,01
